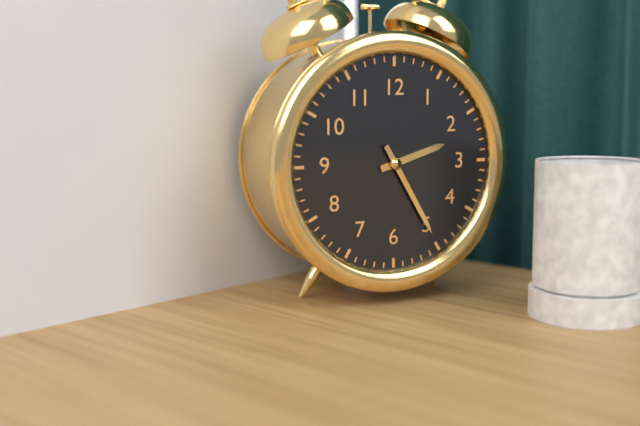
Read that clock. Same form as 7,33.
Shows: 2,25
